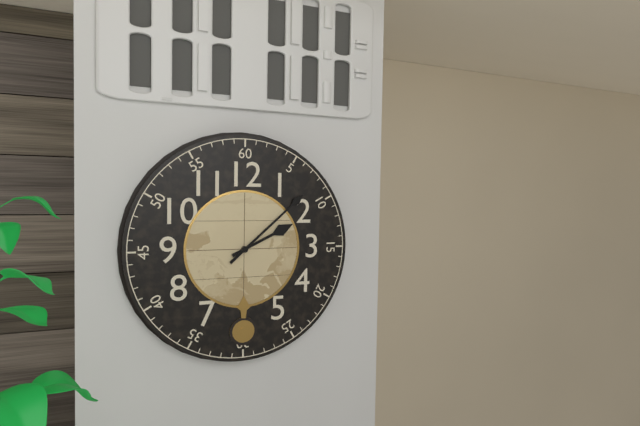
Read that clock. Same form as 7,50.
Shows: 2,08
